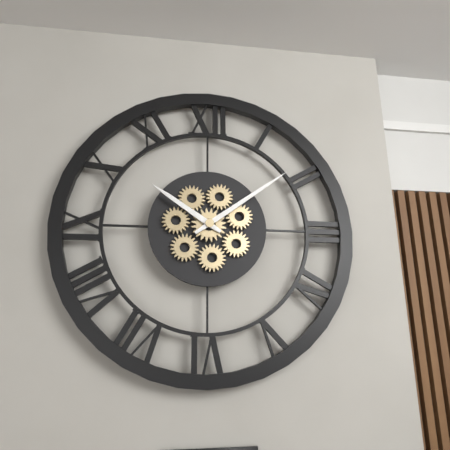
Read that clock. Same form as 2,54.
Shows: 10,09
